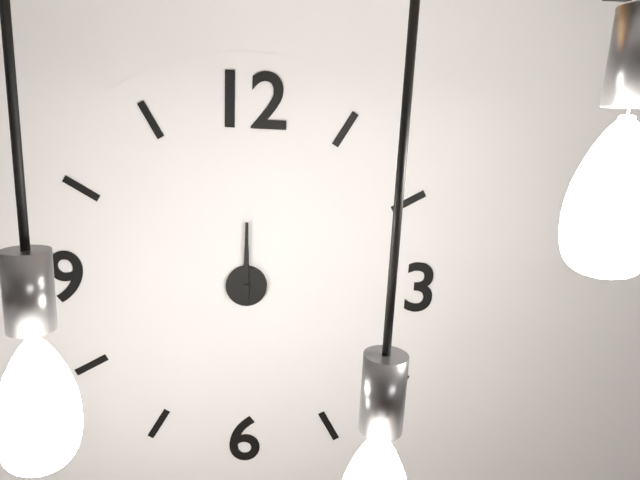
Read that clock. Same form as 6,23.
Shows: 12,00
